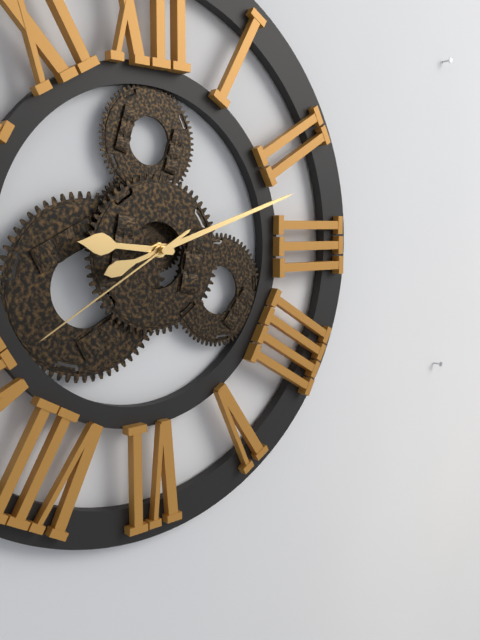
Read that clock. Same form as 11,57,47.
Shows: 9,12,40
